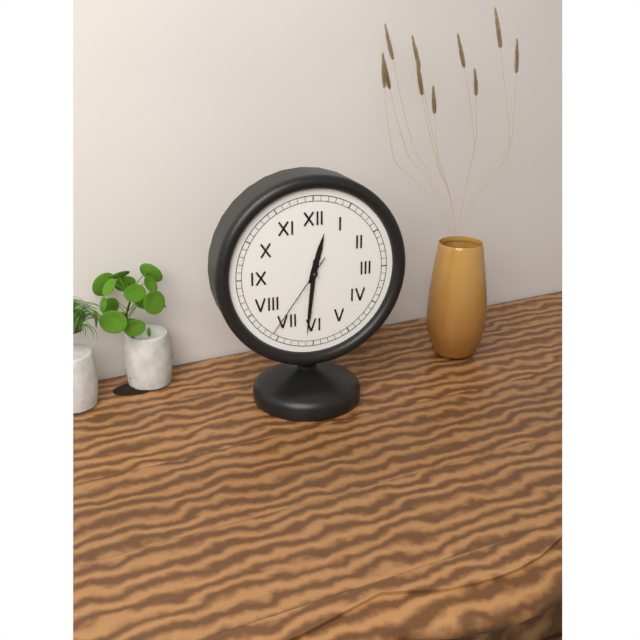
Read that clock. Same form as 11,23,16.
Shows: 12,31,36
